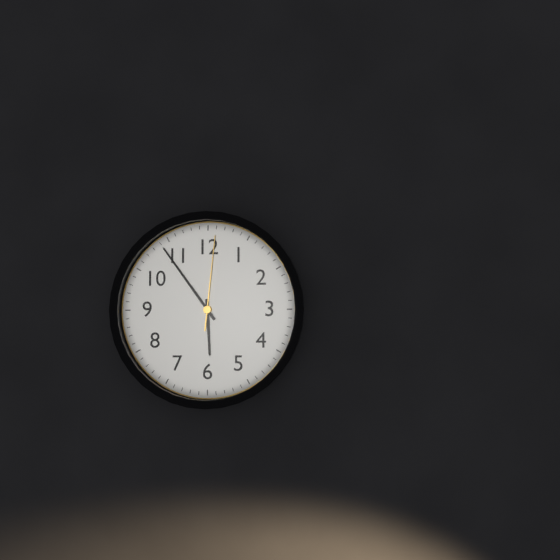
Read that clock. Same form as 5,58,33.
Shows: 5,54,01
